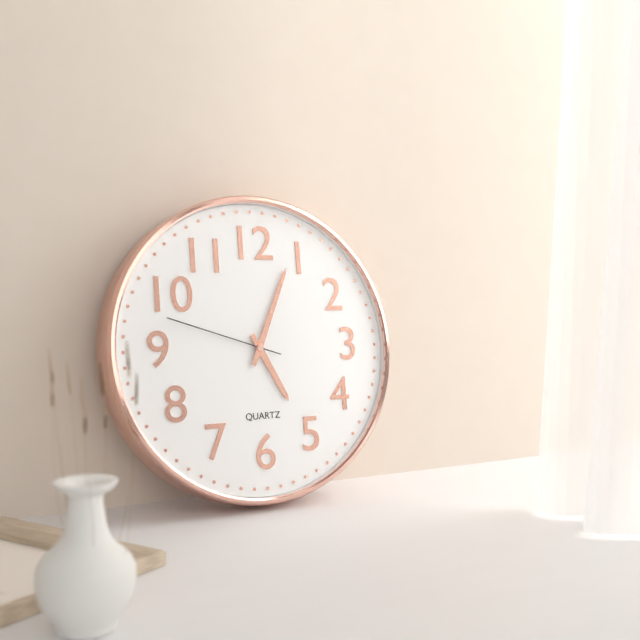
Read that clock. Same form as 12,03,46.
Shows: 5,04,48
